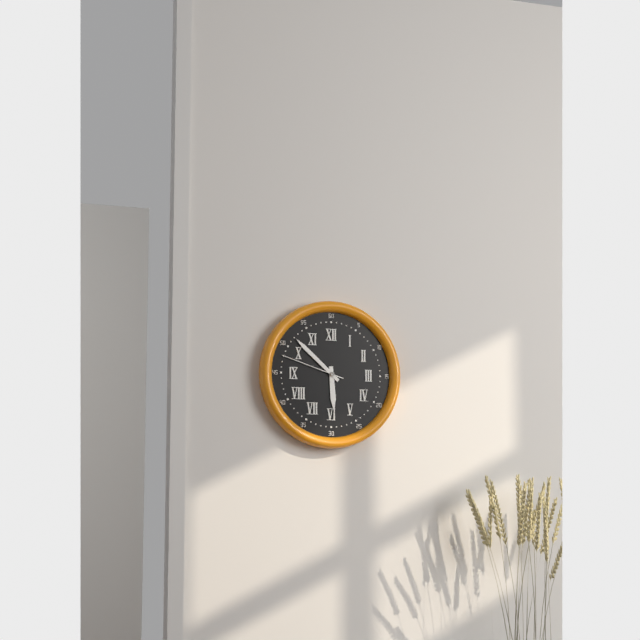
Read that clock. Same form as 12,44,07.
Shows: 5,52,48
